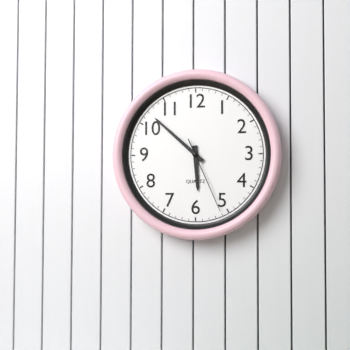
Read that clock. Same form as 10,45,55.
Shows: 5,52,26
